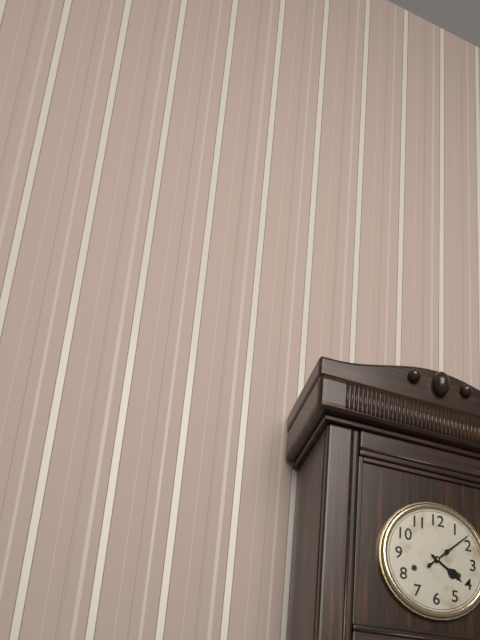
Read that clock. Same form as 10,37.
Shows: 4,08
